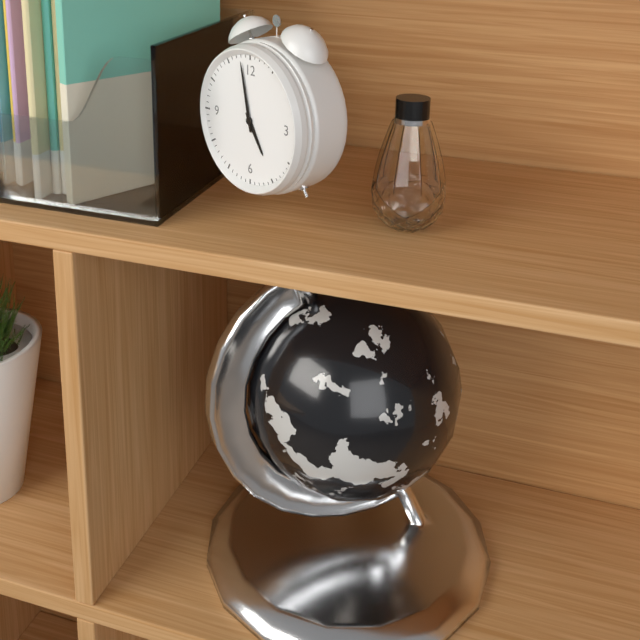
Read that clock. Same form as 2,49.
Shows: 4,58
